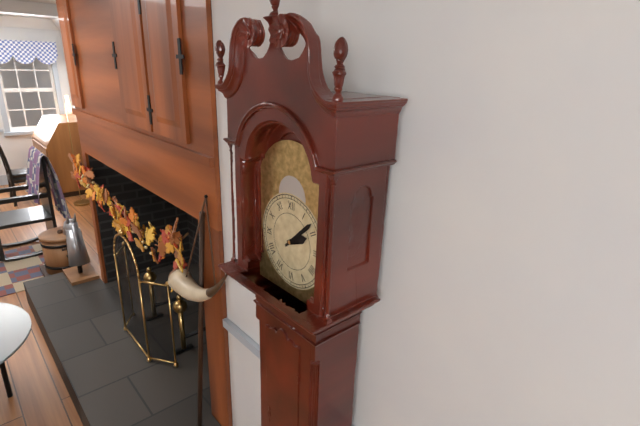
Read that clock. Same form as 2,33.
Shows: 2,08
